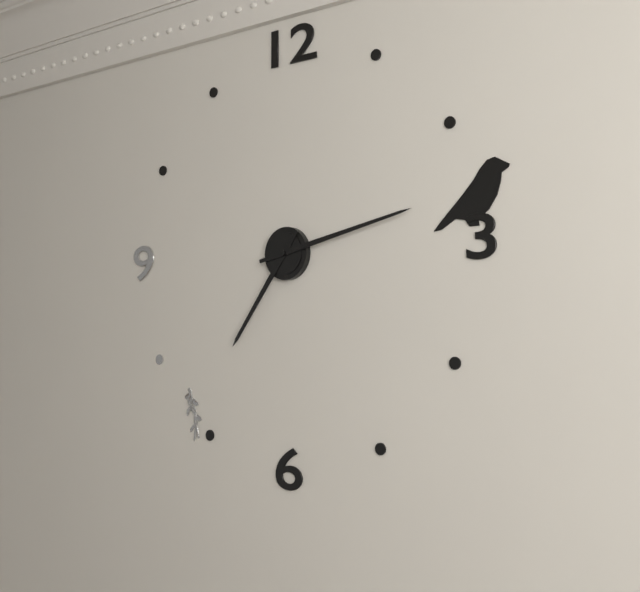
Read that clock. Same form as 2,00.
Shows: 7,13
